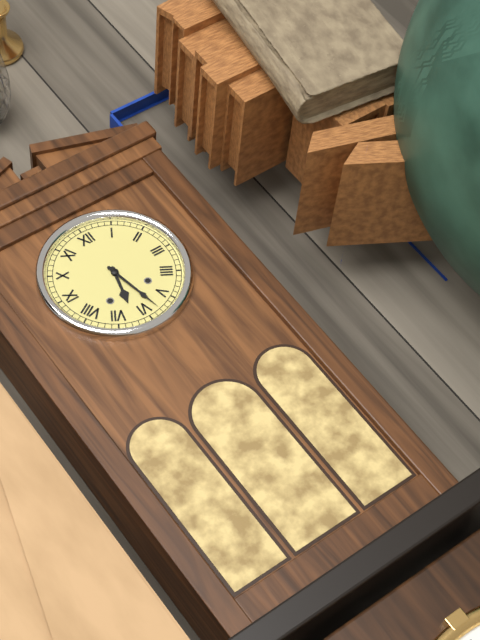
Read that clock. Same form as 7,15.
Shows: 6,28
